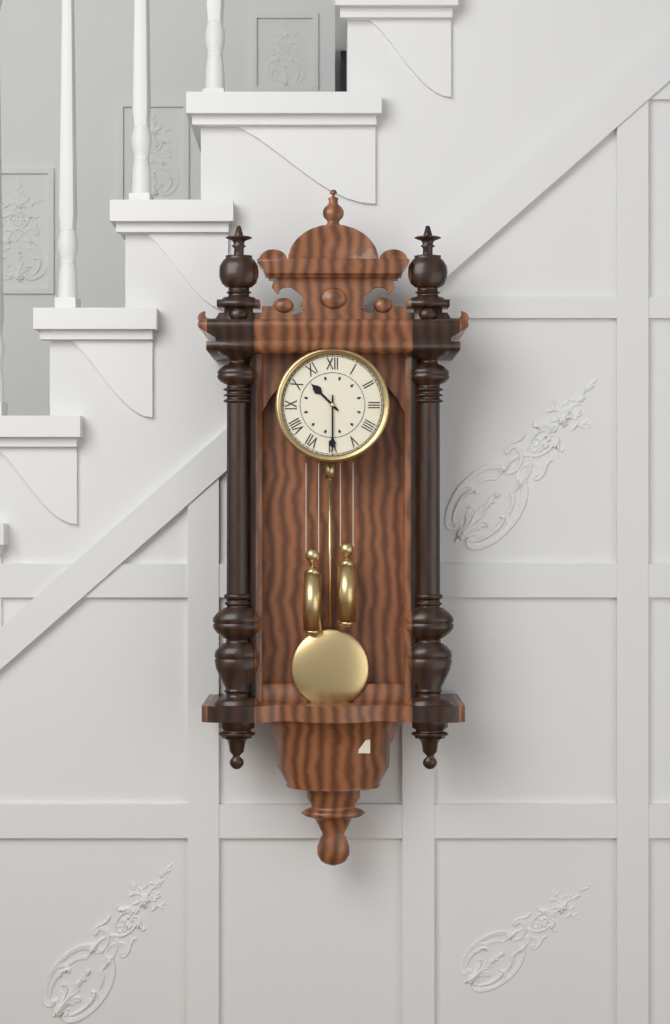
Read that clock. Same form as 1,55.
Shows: 10,30
